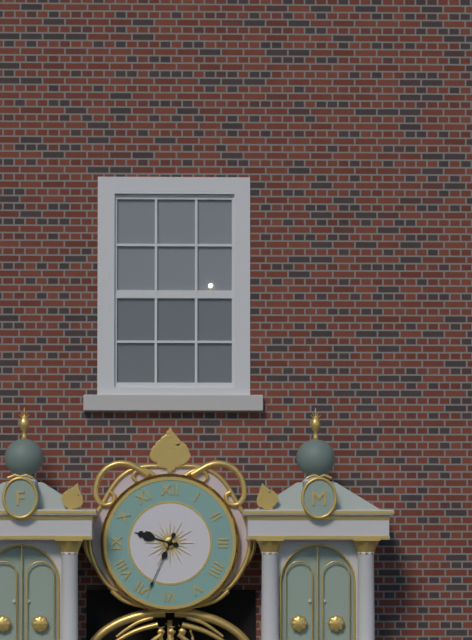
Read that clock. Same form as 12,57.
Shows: 9,34
